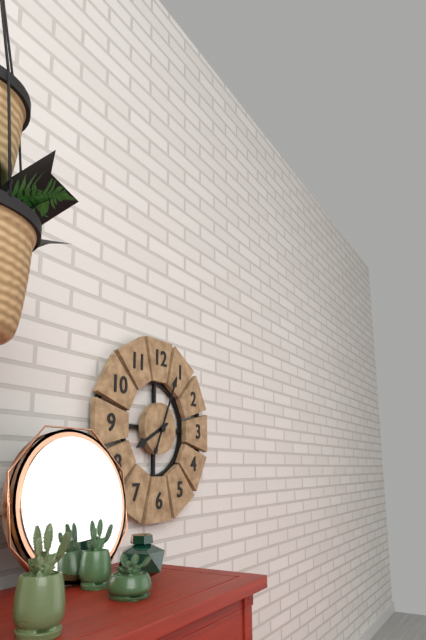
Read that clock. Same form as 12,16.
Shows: 8,04
